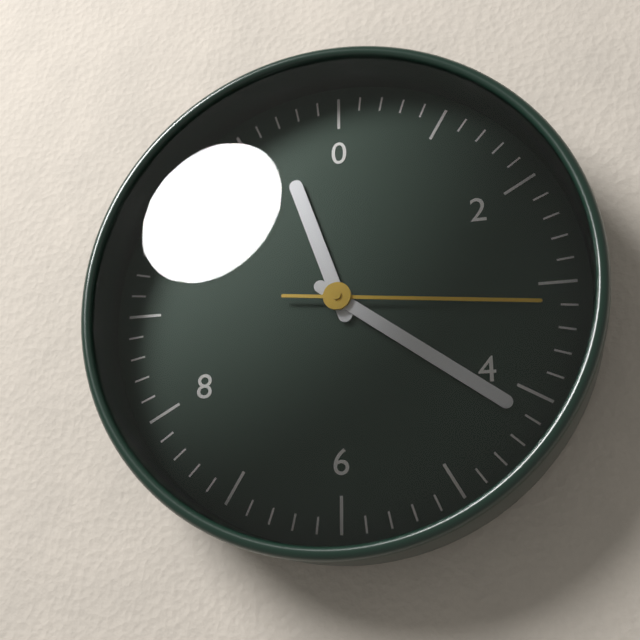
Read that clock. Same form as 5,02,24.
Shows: 11,21,16
